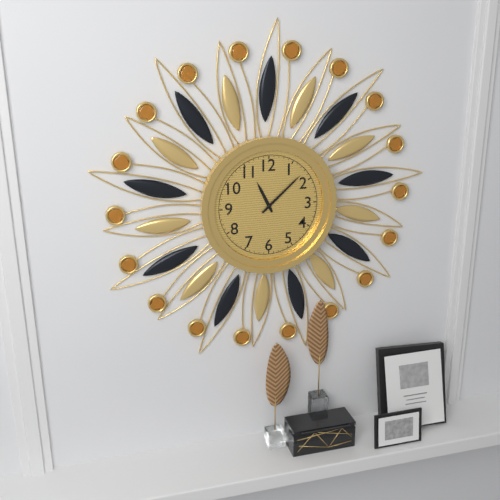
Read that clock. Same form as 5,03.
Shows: 11,08
